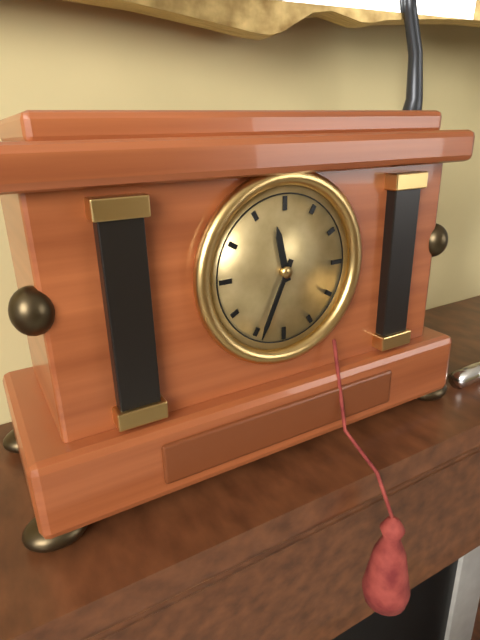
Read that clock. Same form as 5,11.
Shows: 11,34
